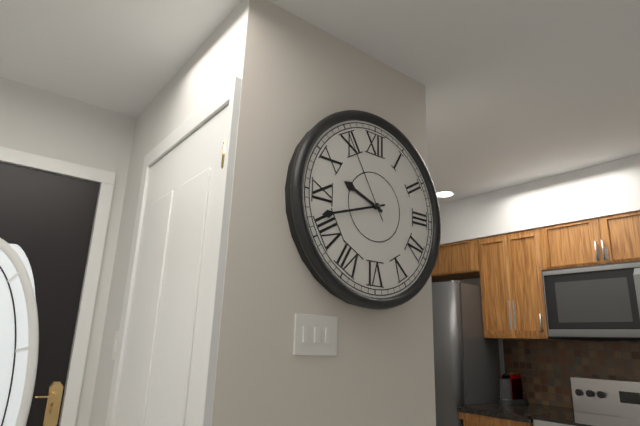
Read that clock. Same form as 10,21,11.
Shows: 9,42,55
